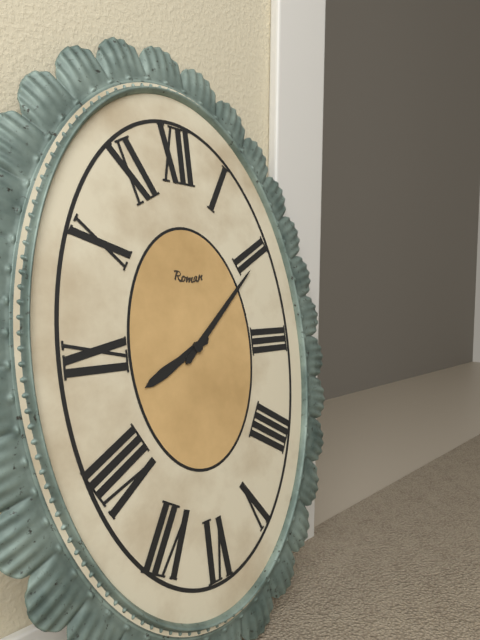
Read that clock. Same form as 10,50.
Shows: 8,08
